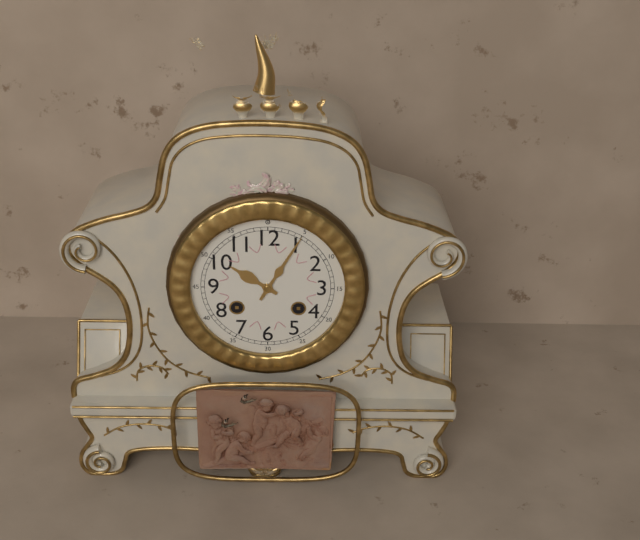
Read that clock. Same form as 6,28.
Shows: 10,05
